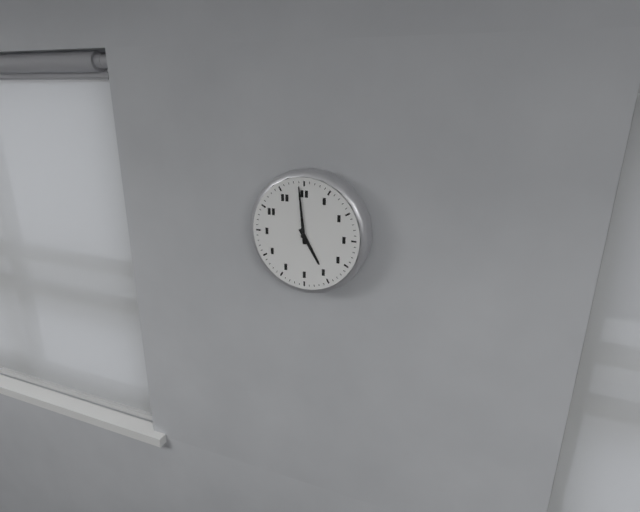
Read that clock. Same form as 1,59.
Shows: 4,59
